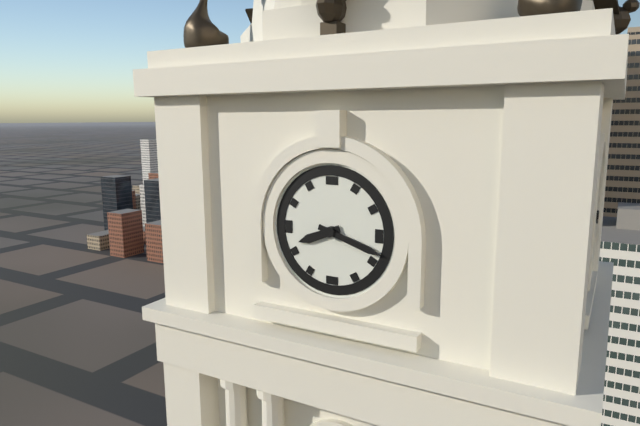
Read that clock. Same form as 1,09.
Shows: 8,18
